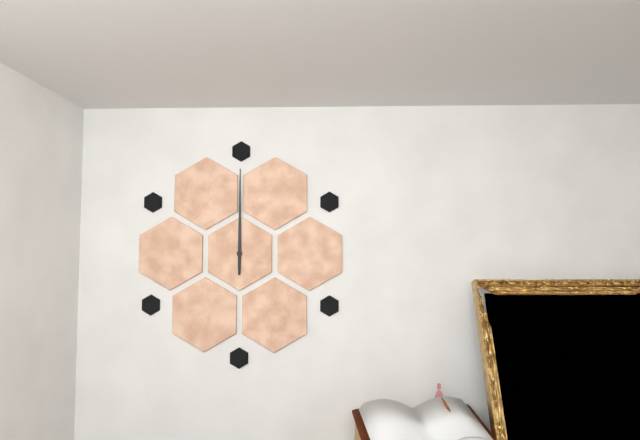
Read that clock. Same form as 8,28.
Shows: 12,00
